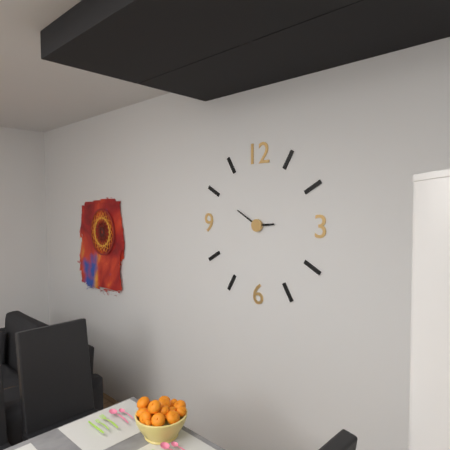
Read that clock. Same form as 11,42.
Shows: 2,50
